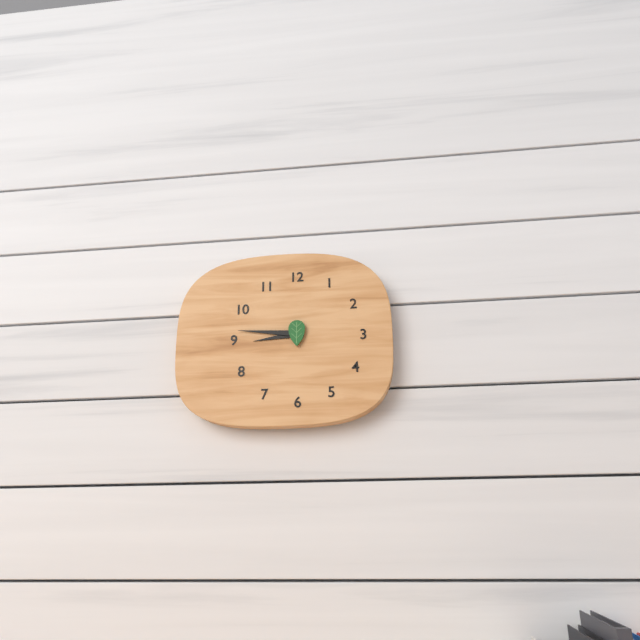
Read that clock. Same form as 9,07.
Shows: 8,46
